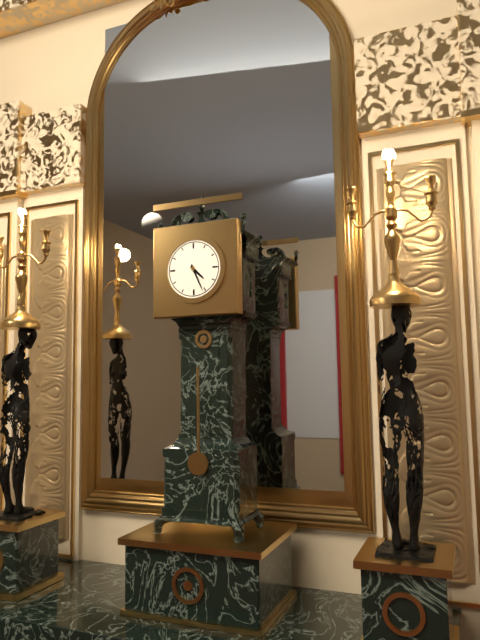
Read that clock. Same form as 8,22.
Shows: 4,26
